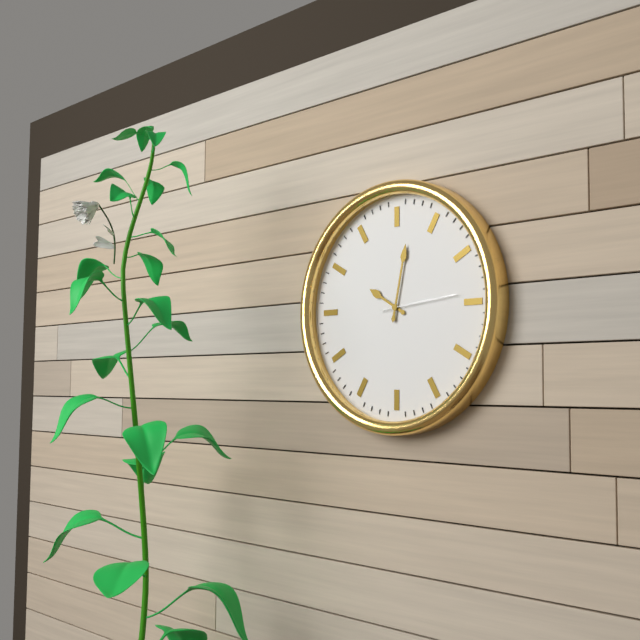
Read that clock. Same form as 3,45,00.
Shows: 10,02,14
